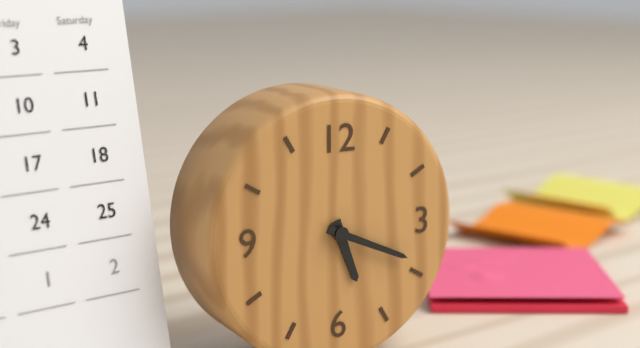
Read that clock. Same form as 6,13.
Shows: 5,19
